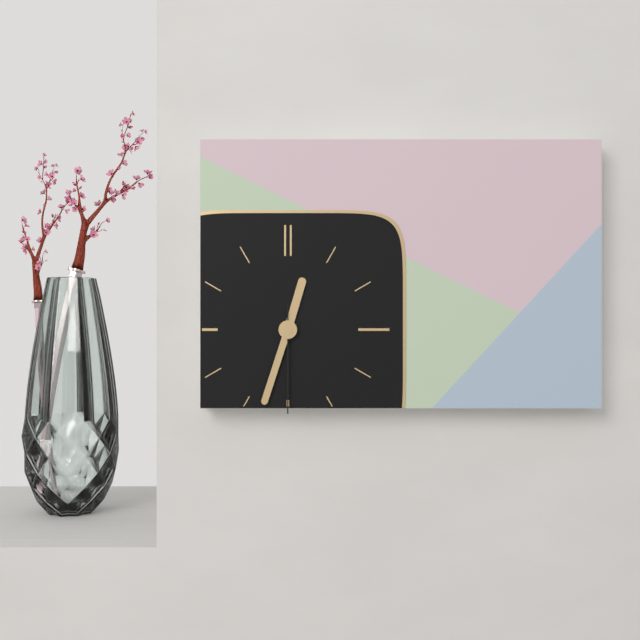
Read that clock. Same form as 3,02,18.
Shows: 12,33,30
